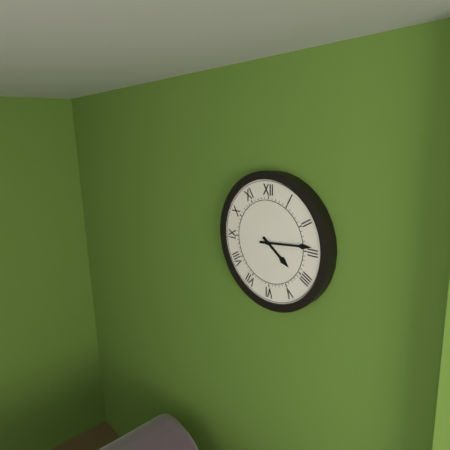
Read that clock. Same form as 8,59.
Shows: 4,14
